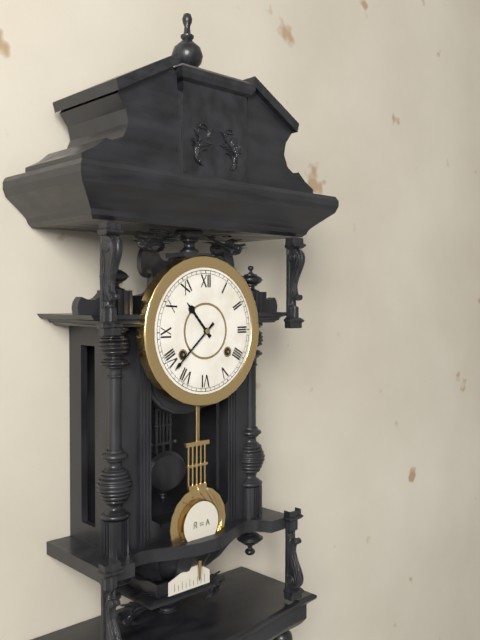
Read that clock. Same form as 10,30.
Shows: 10,38
